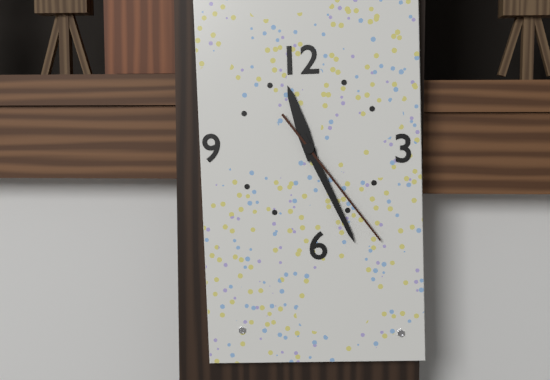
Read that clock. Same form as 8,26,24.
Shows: 11,26,24
